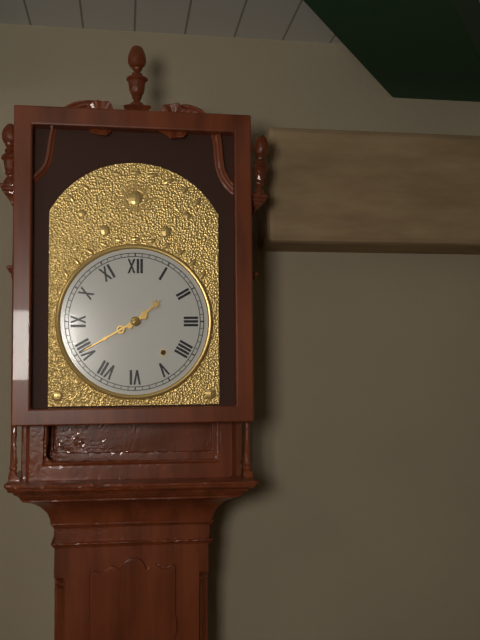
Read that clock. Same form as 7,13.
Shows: 1,40
